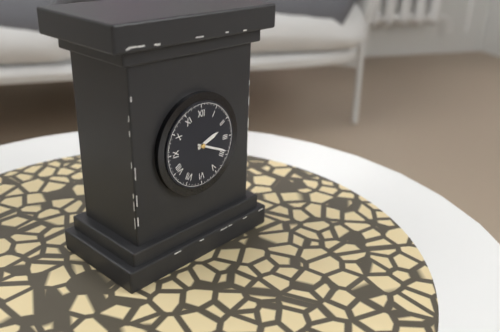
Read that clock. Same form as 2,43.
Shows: 2,19
